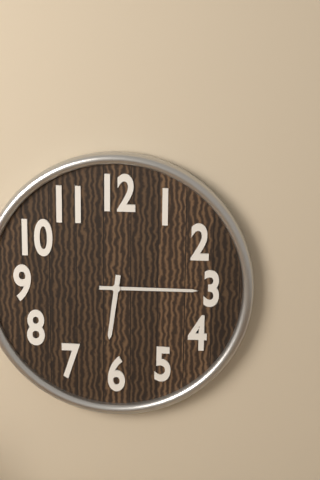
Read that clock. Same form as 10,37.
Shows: 6,15
